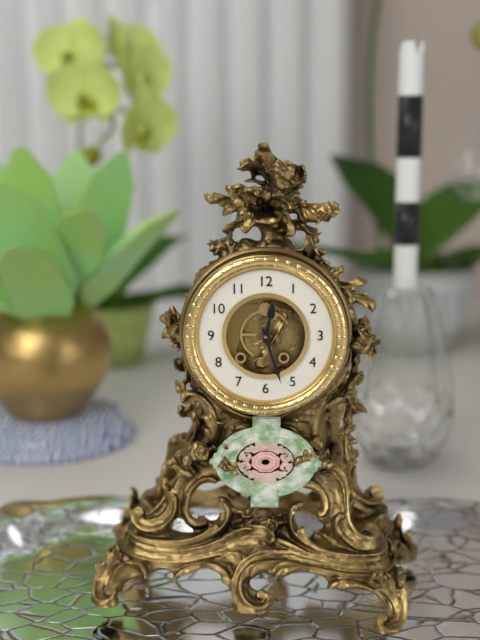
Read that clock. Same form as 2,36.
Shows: 12,27
